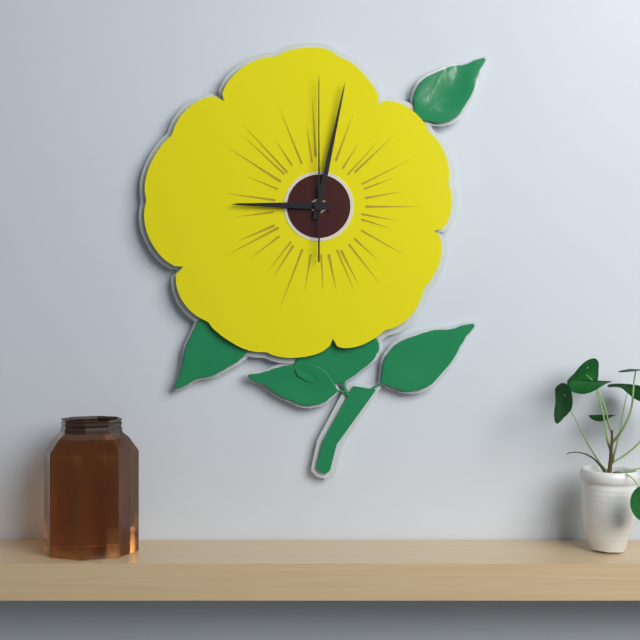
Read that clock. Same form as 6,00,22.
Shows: 9,02,00
